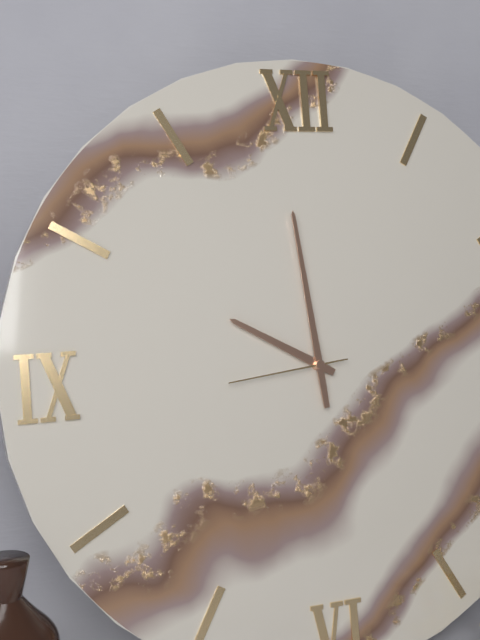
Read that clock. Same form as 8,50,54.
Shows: 9,59,44
